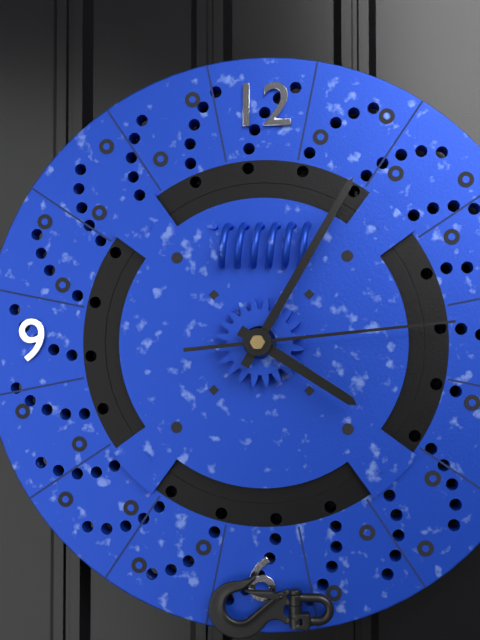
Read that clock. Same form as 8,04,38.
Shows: 4,05,14
